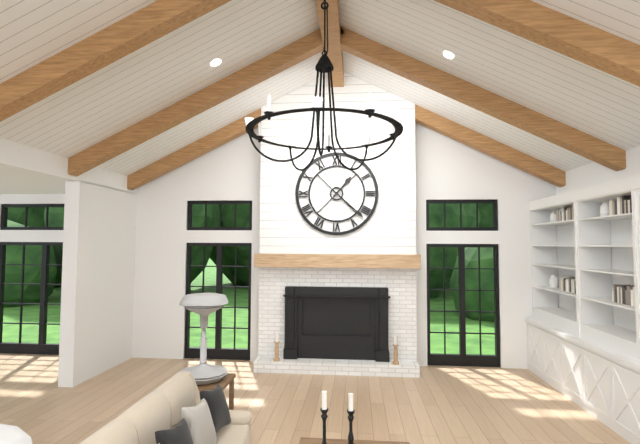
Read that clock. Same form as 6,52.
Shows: 1,22
